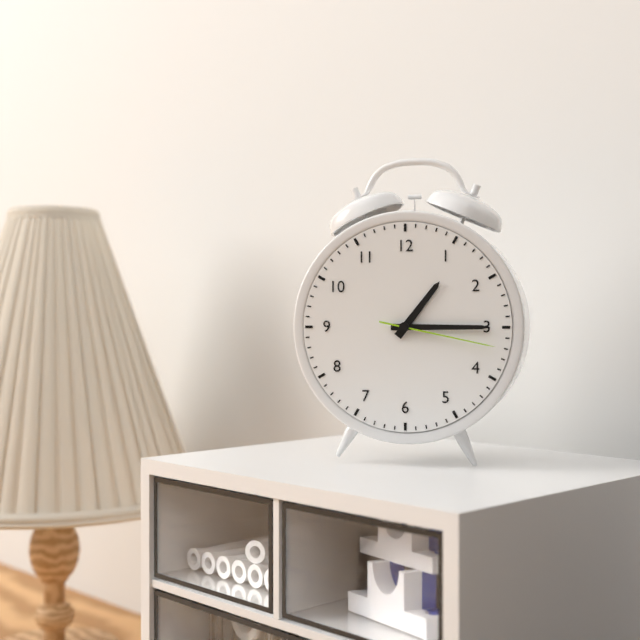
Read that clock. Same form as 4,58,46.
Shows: 1,15,17
